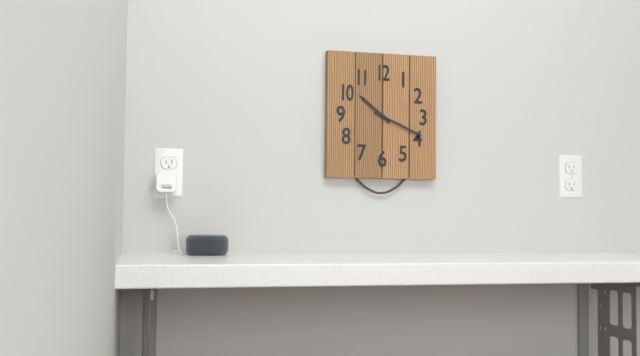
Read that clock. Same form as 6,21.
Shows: 10,19
